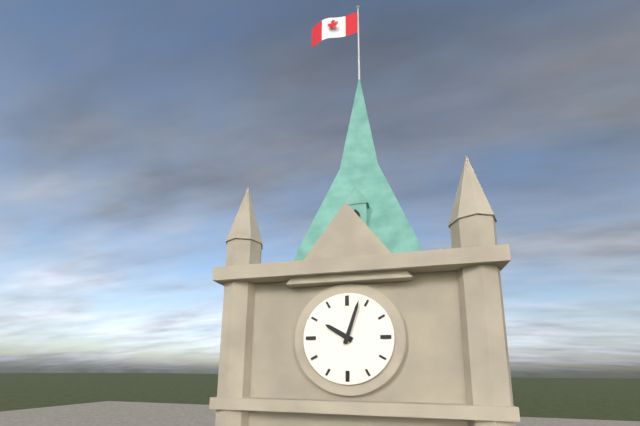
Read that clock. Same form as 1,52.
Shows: 10,03
